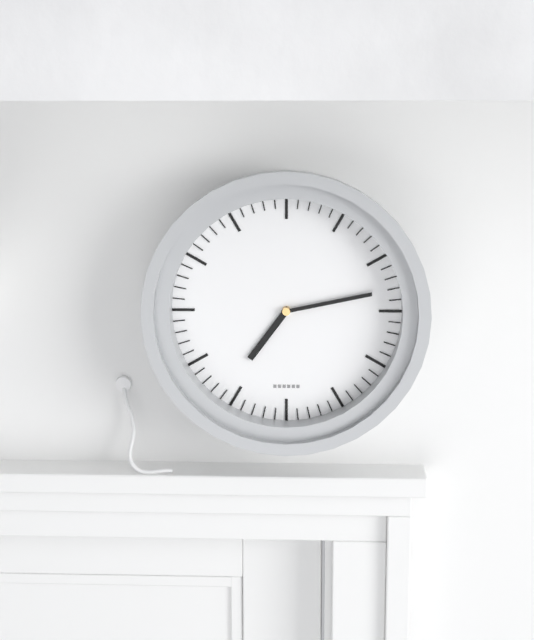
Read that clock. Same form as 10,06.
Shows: 7,13
